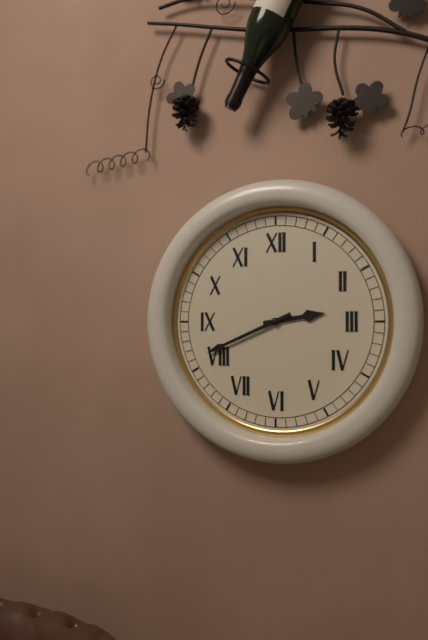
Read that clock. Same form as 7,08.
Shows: 2,41
